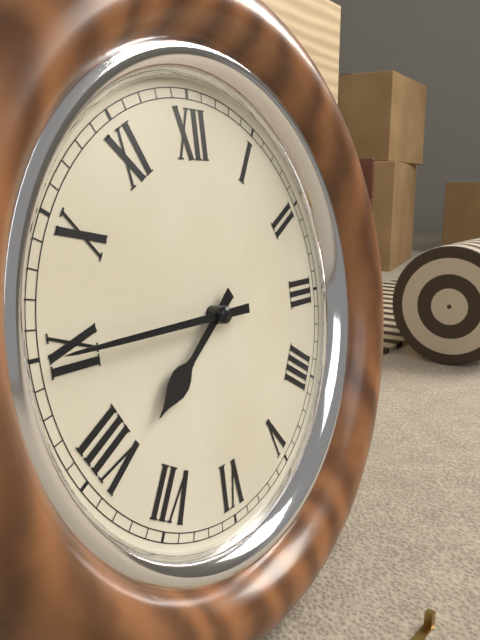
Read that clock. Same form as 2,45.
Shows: 7,45
